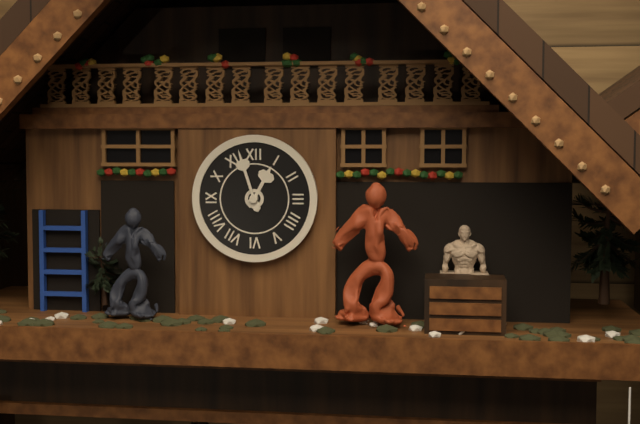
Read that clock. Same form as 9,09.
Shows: 12,57
